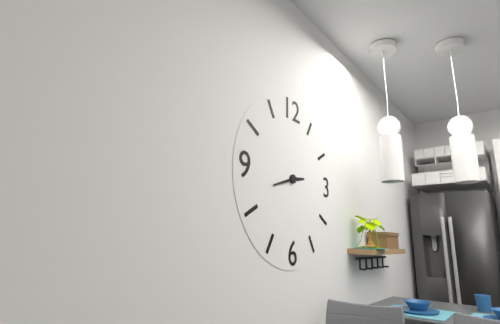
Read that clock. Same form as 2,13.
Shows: 2,42
